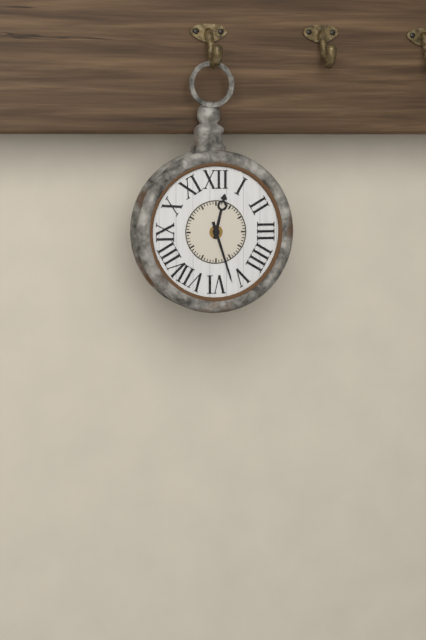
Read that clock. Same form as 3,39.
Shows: 12,27
